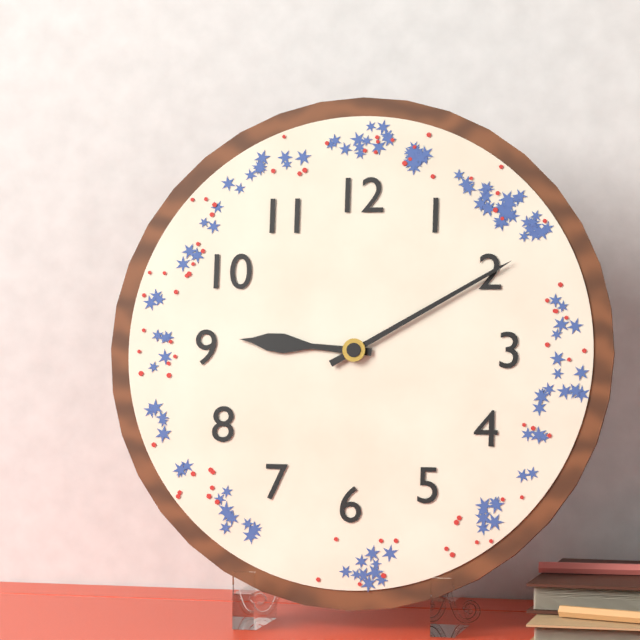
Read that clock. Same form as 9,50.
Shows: 9,10
